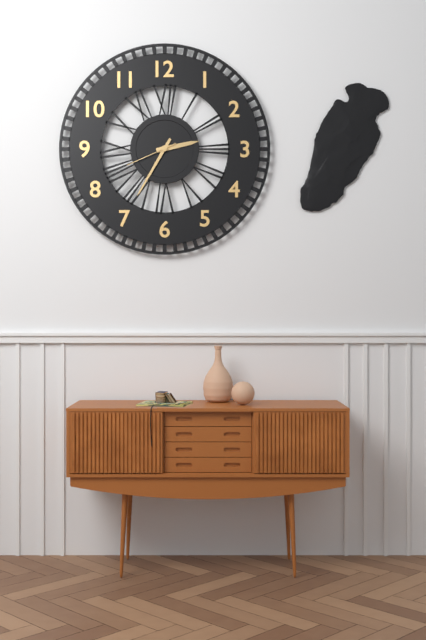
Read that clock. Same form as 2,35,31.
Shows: 2,35,41
